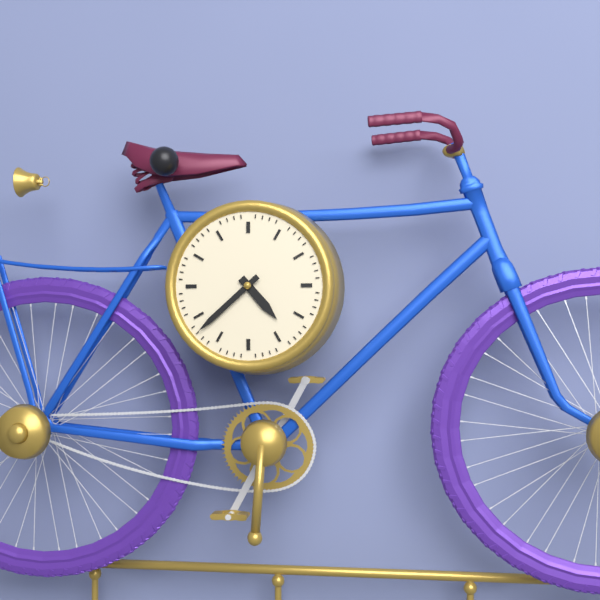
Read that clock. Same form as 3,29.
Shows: 4,38
